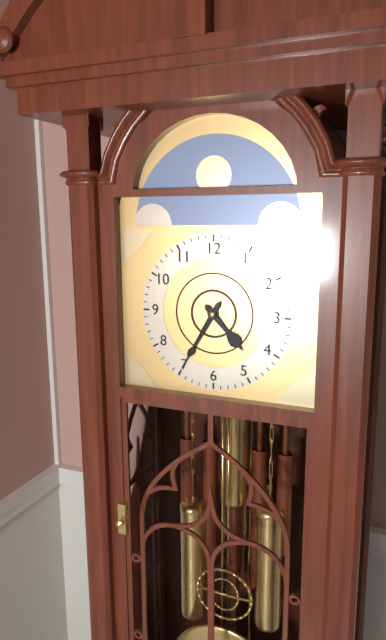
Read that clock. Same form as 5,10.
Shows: 4,35
